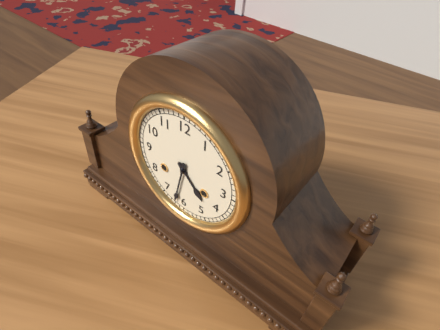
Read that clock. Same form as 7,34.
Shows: 4,32
